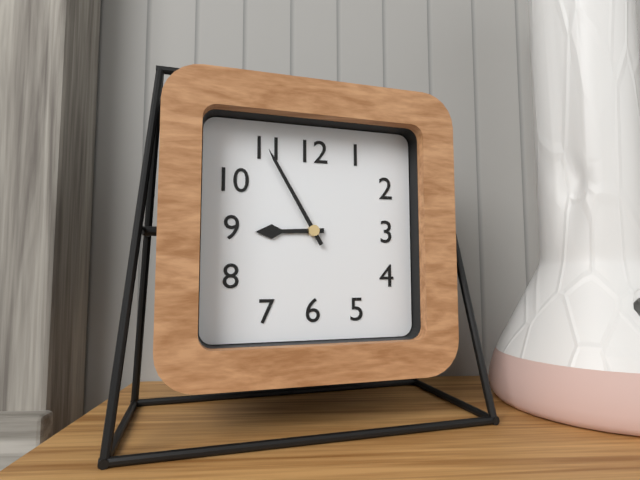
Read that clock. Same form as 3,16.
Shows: 8,55
